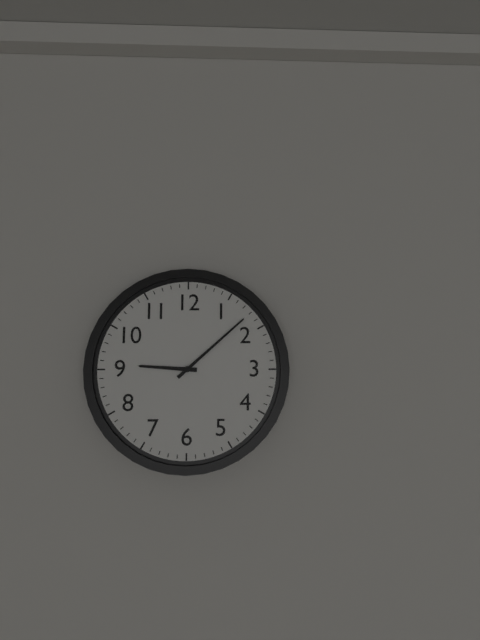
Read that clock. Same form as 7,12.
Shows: 9,08
